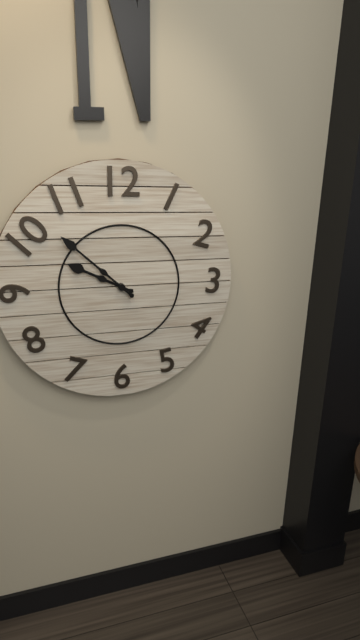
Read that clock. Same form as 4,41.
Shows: 9,52
